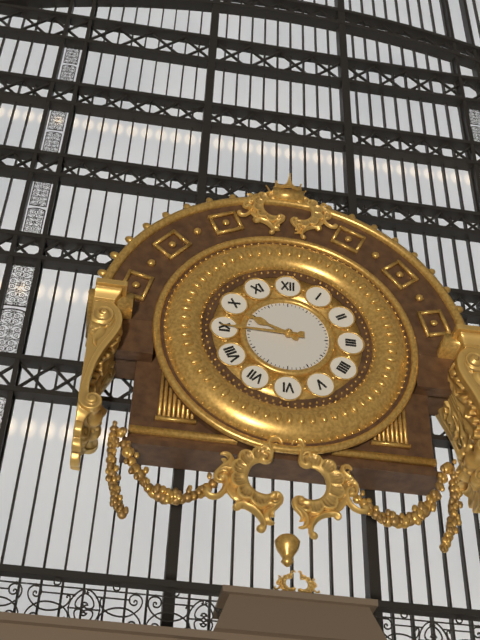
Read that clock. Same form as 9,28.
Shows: 9,45
